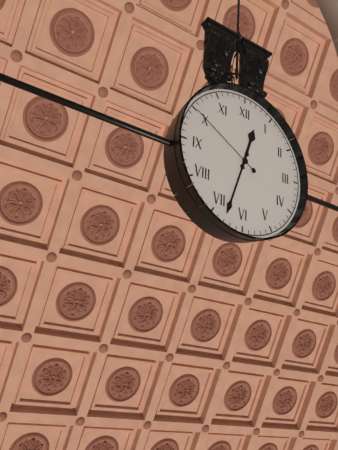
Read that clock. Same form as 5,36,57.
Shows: 12,33,50
